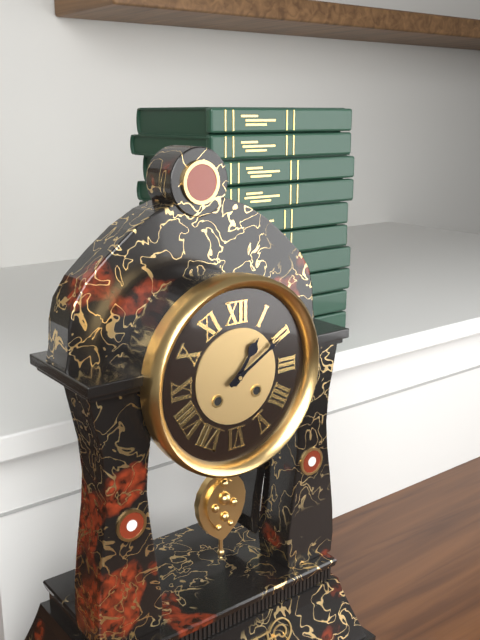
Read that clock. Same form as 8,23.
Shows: 1,10
